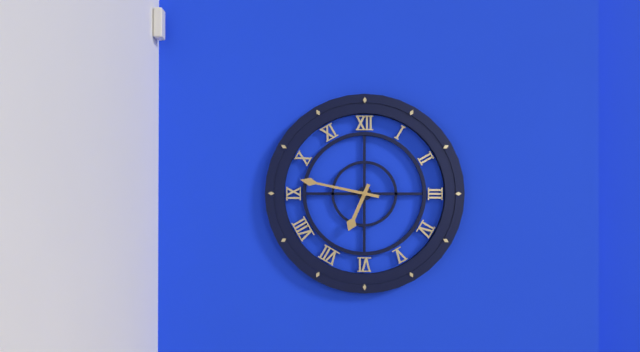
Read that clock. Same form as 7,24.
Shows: 6,47
